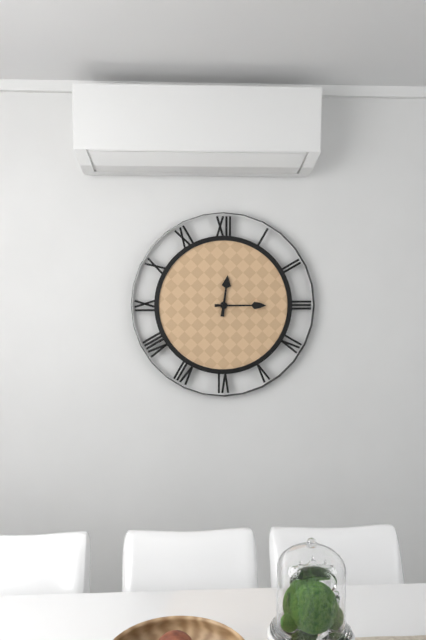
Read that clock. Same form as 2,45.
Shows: 12,15
